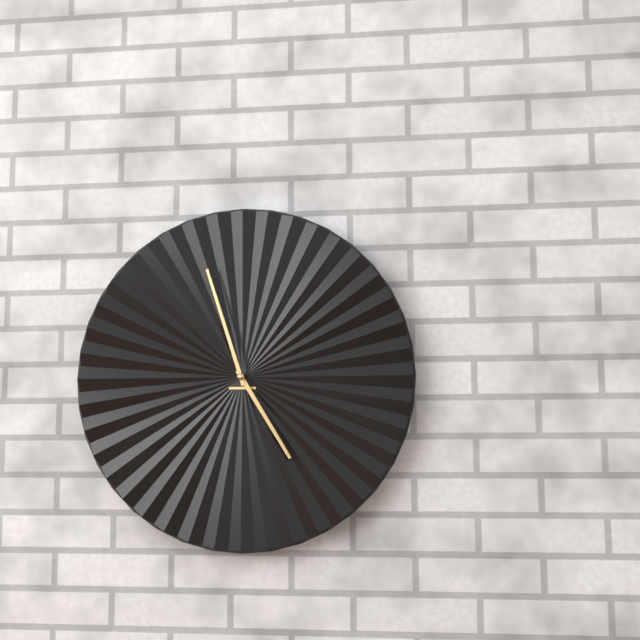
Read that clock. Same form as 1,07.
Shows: 4,57
